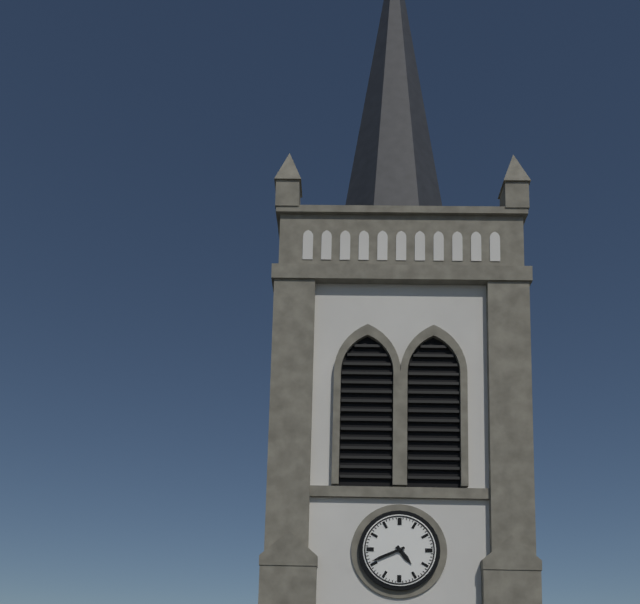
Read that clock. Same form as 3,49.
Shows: 4,41
